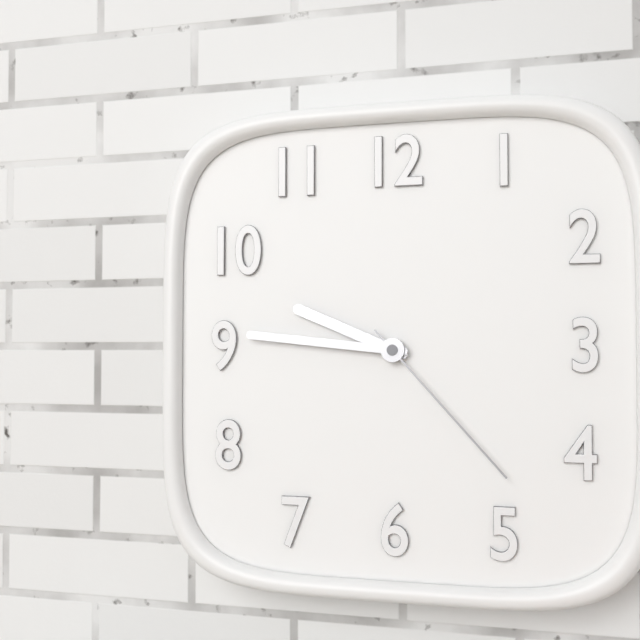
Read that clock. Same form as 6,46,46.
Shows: 9,46,23
